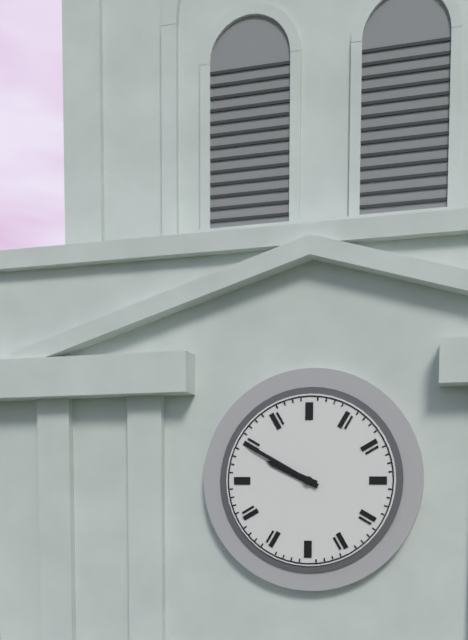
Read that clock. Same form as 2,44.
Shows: 9,50
